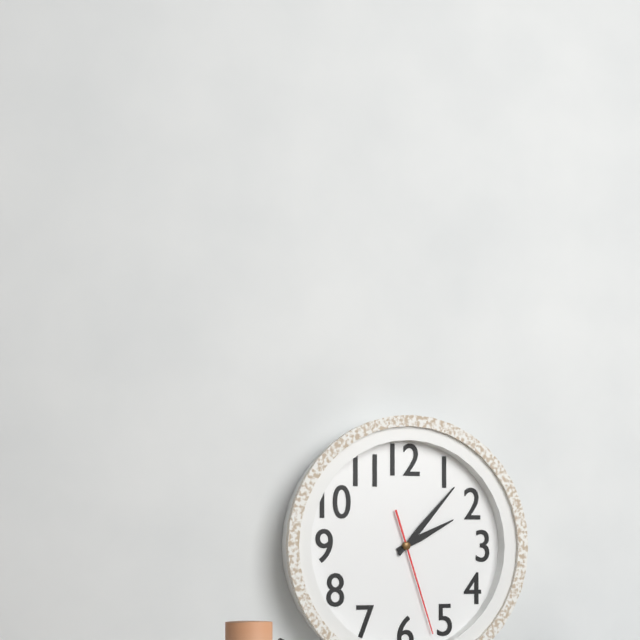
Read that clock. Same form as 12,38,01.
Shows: 2,07,27
